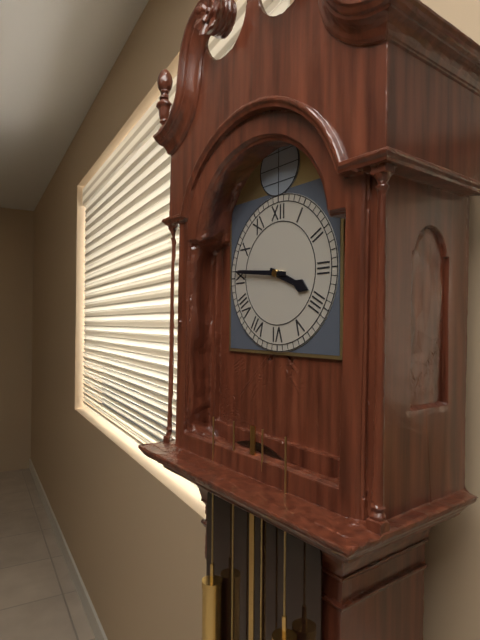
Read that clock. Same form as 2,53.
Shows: 3,46
